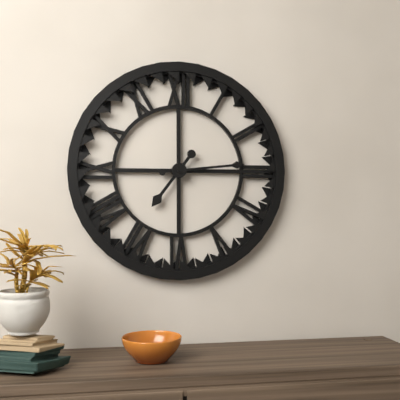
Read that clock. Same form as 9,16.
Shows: 7,14
